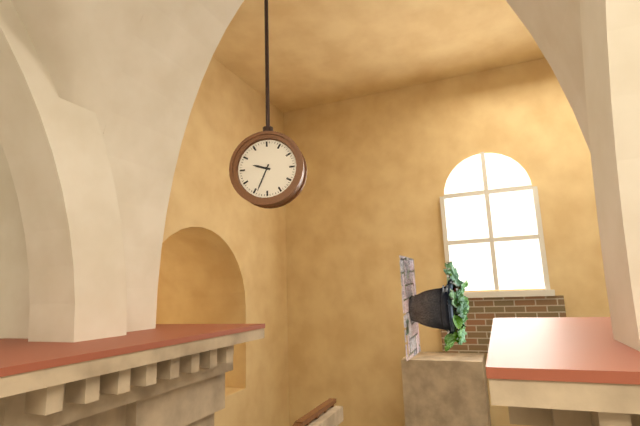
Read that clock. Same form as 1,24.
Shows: 9,34
